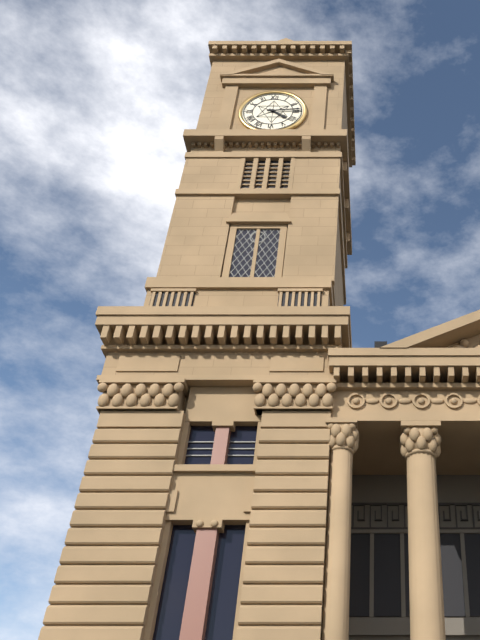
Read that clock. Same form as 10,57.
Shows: 4,14
